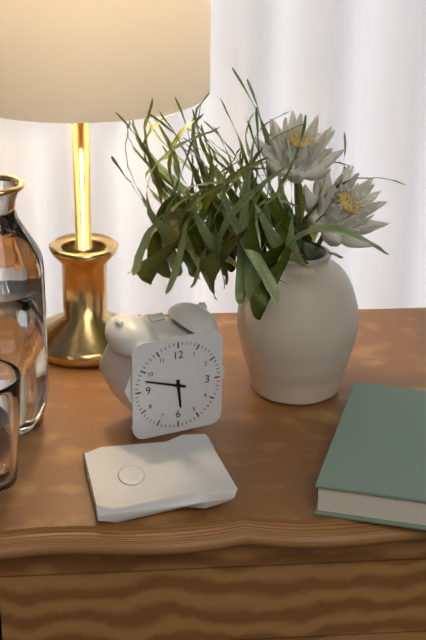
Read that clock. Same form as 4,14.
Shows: 5,48
